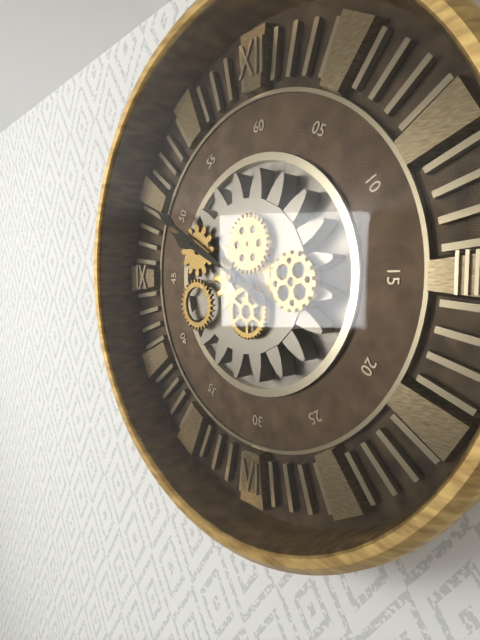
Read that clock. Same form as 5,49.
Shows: 9,50
